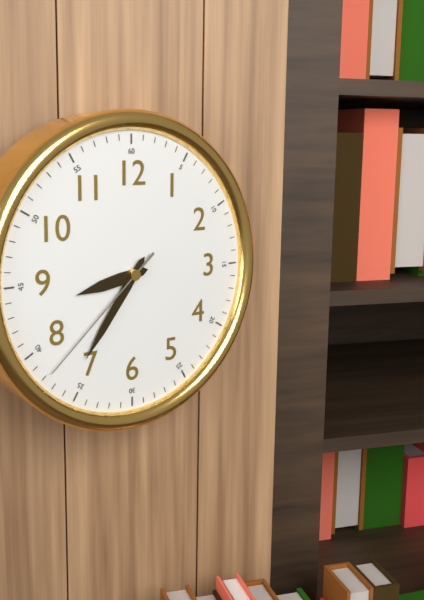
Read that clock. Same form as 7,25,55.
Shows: 8,36,38
